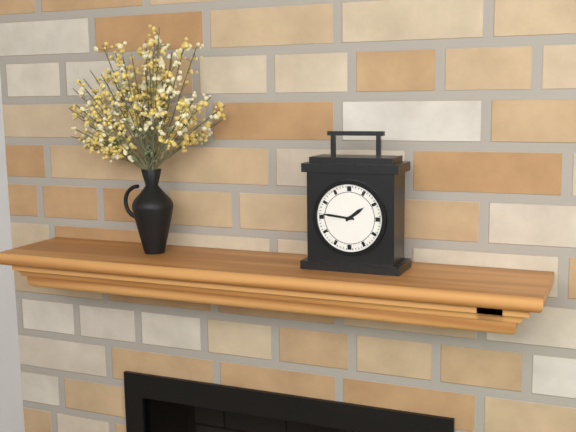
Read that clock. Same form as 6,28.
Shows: 1,46
